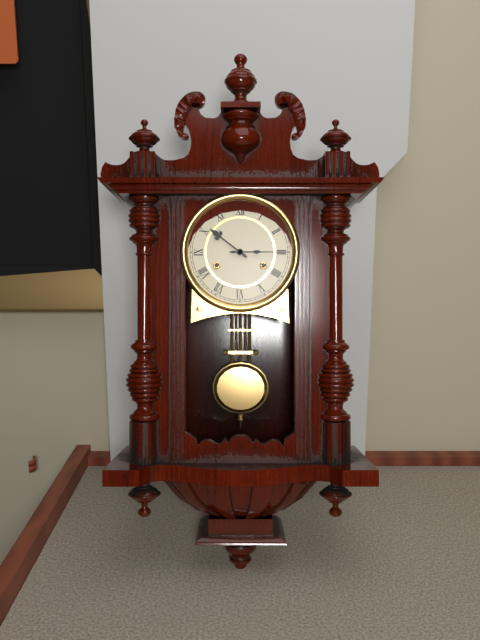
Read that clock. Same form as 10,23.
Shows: 10,15
